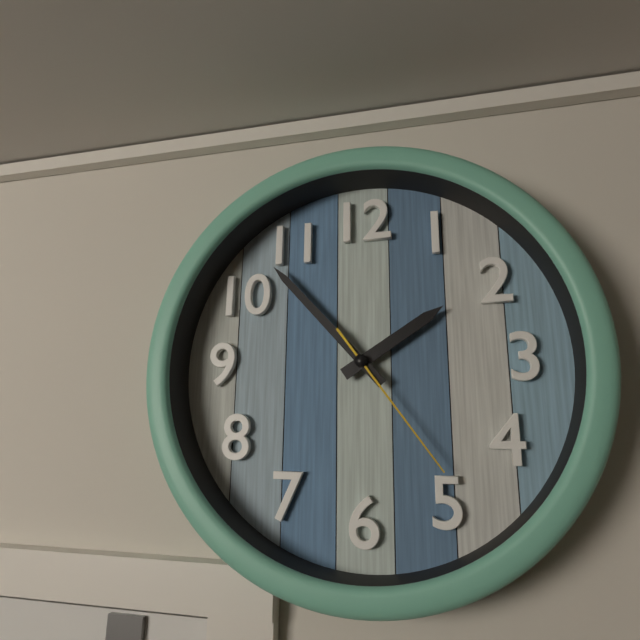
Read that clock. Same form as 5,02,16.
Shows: 1,53,24
